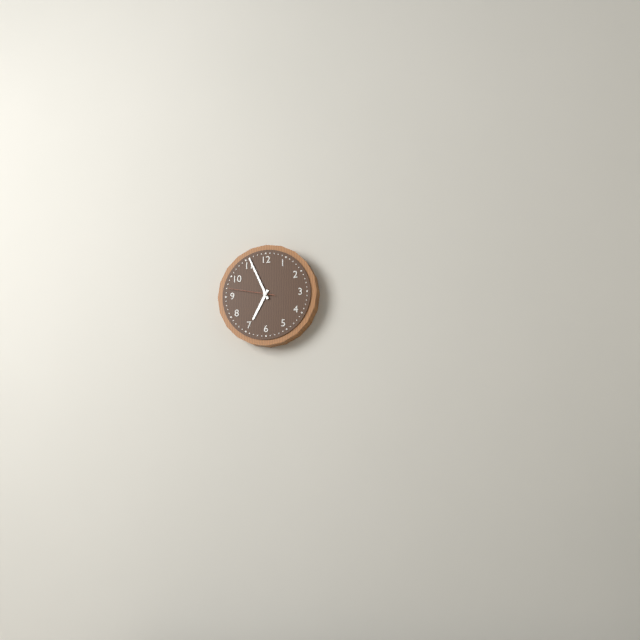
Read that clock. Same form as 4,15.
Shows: 6,56
